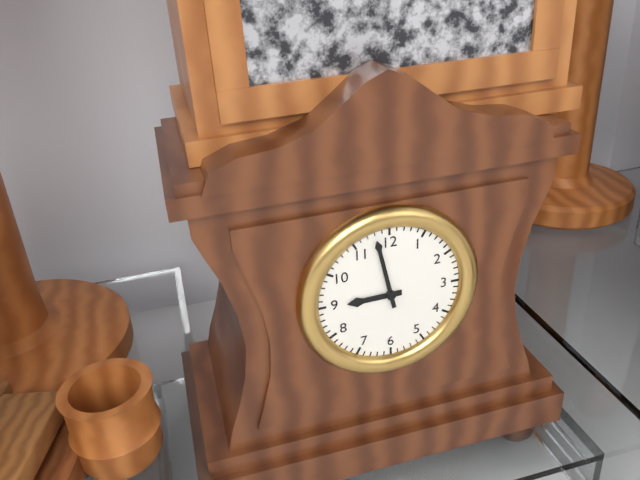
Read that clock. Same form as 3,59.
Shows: 8,58
